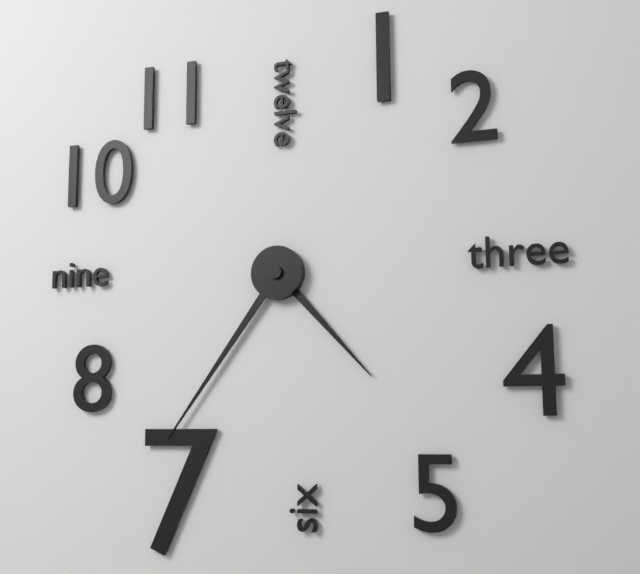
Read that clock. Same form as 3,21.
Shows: 4,36
